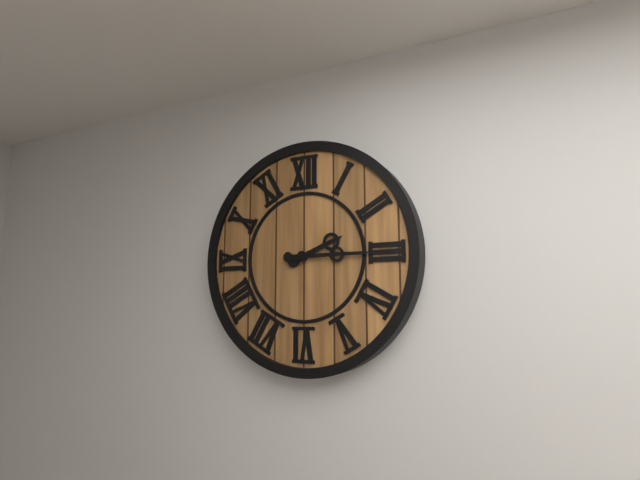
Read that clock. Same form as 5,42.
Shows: 2,15
